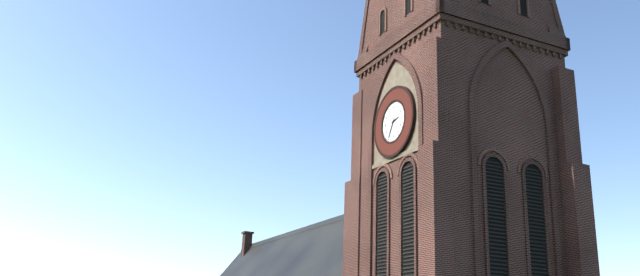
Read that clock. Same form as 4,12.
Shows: 2,35
